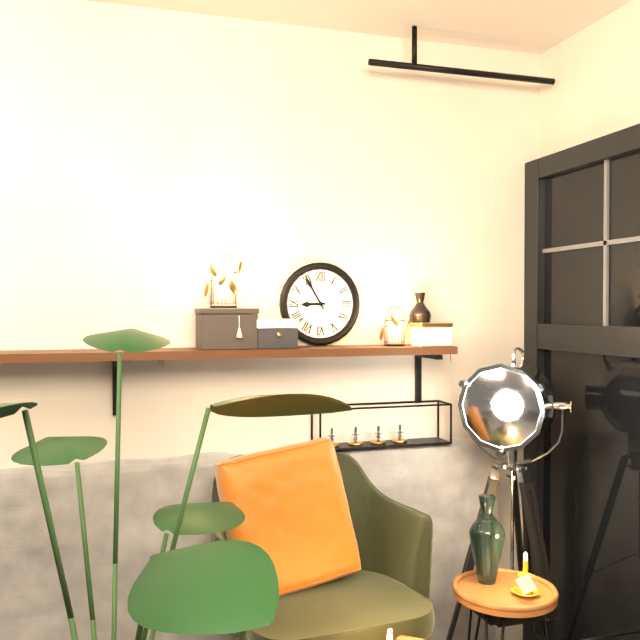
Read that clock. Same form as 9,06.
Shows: 8,55
